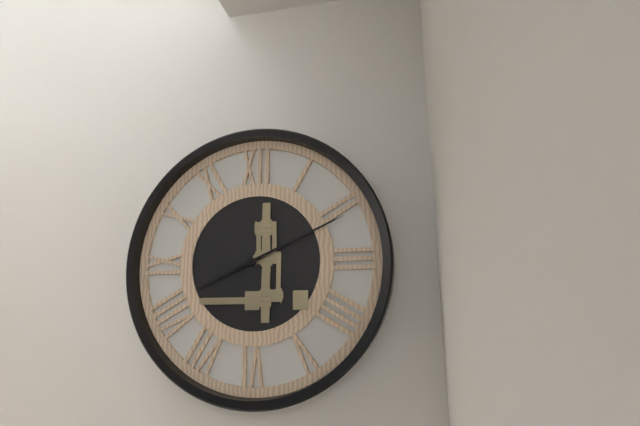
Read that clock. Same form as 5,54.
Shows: 8,11
